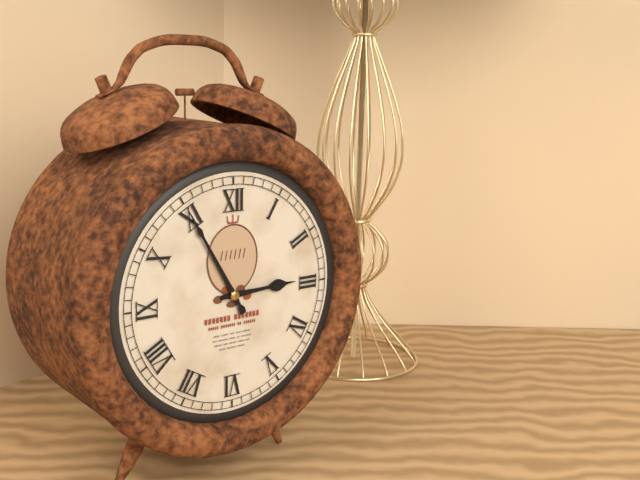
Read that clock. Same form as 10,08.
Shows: 2,55
